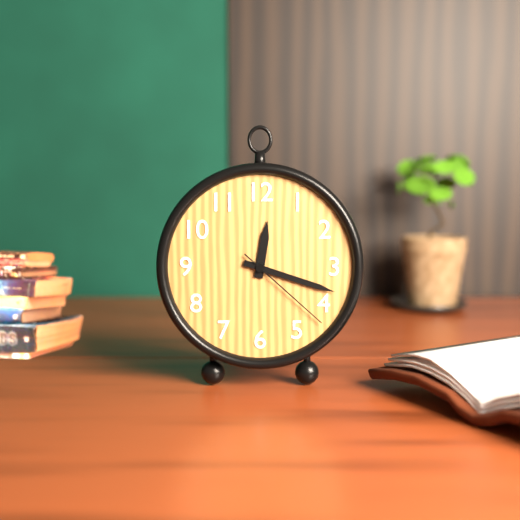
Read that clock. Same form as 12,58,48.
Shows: 12,18,22
